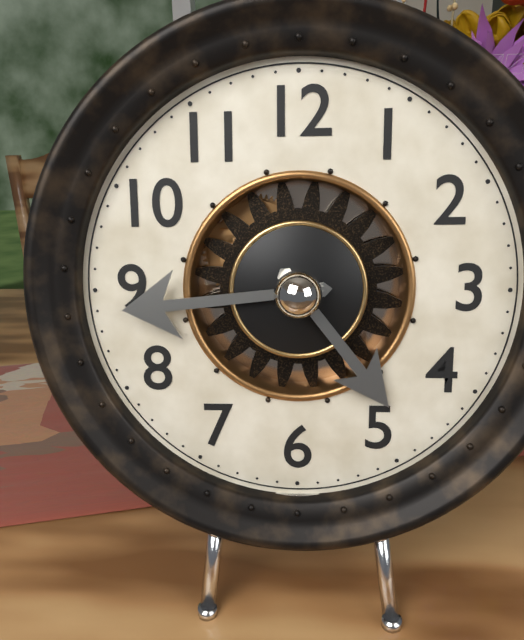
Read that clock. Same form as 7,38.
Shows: 4,44
